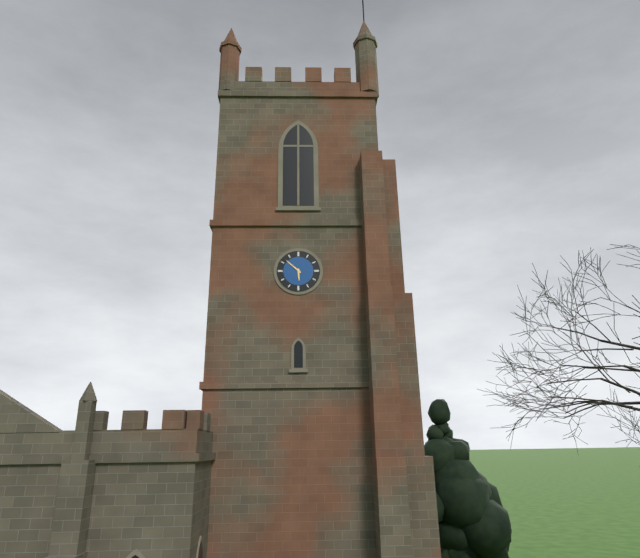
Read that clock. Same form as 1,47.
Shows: 5,52
